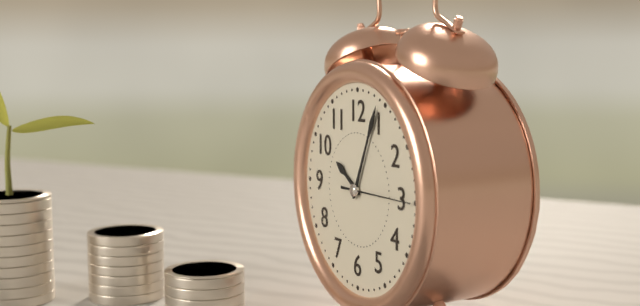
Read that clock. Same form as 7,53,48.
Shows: 10,04,15
